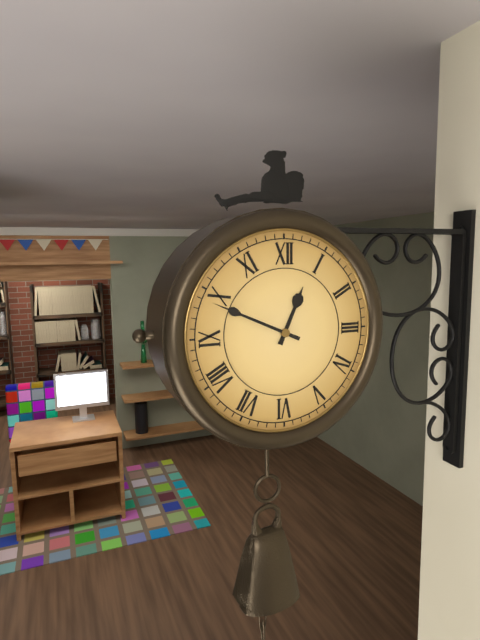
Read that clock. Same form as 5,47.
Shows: 12,49
